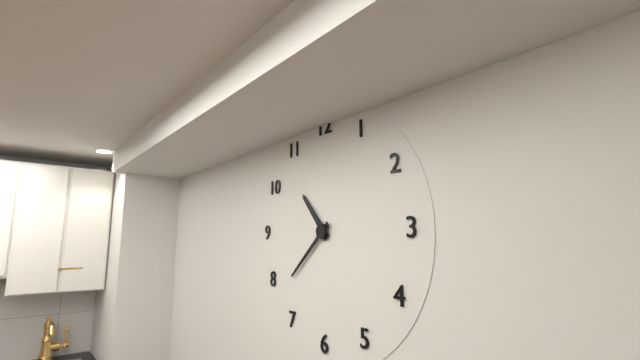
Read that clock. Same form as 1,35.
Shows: 10,38
